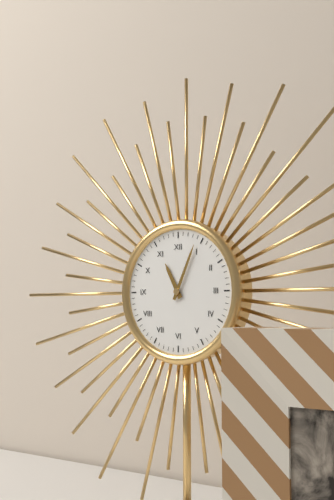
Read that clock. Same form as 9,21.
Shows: 11,04
